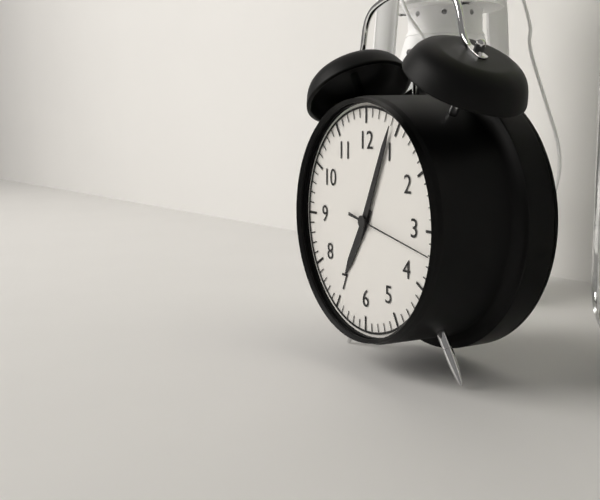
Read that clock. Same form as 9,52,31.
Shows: 7,04,17
